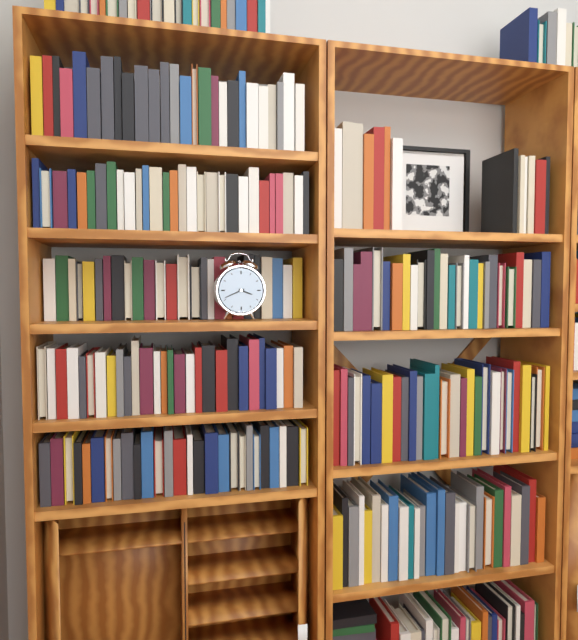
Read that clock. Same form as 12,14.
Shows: 3,41
